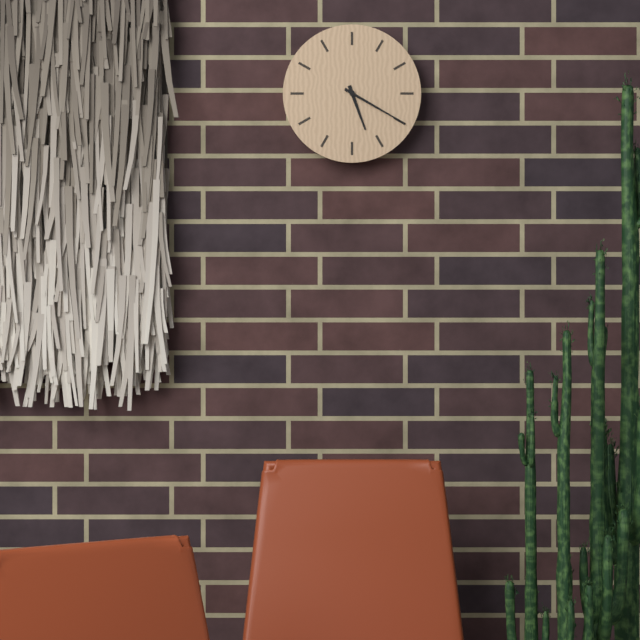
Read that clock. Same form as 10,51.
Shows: 5,20
